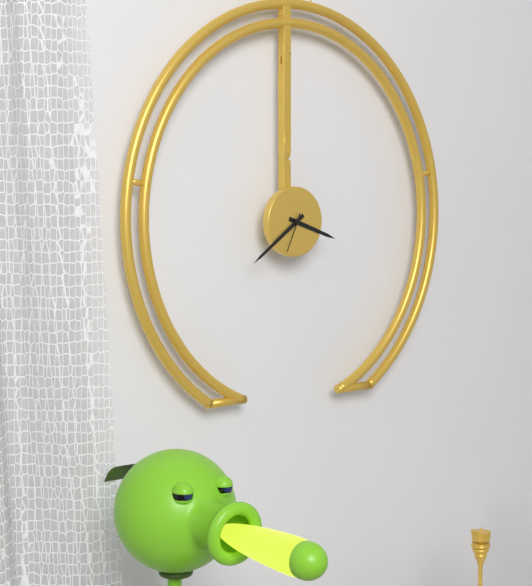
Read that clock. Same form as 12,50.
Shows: 3,39
